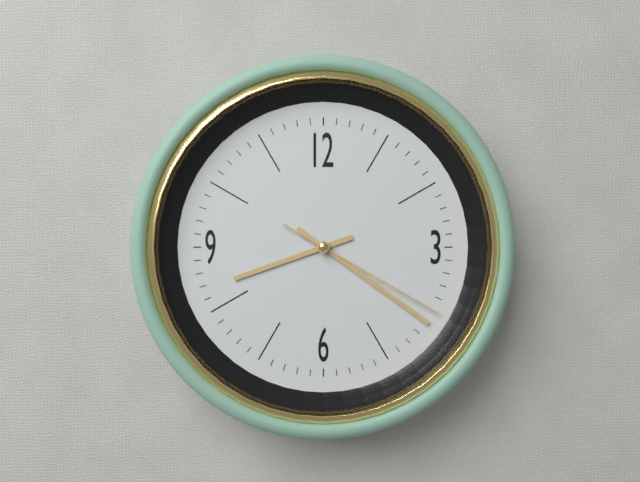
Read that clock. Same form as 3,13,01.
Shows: 8,21,20
